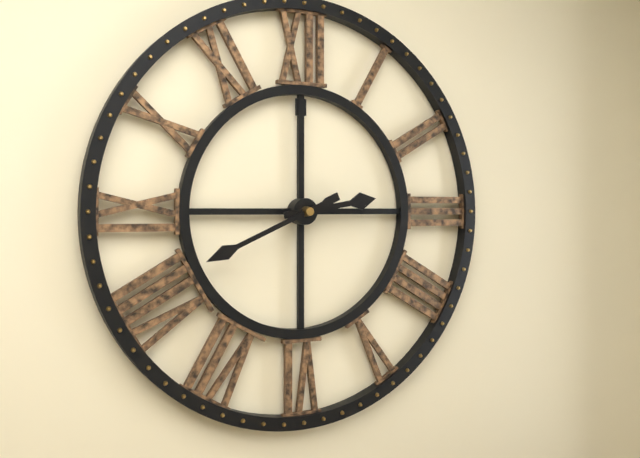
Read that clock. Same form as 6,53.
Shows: 2,41
